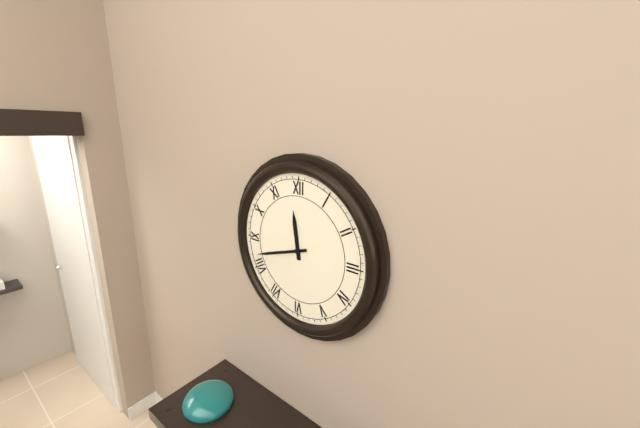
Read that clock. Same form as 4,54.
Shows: 11,42
